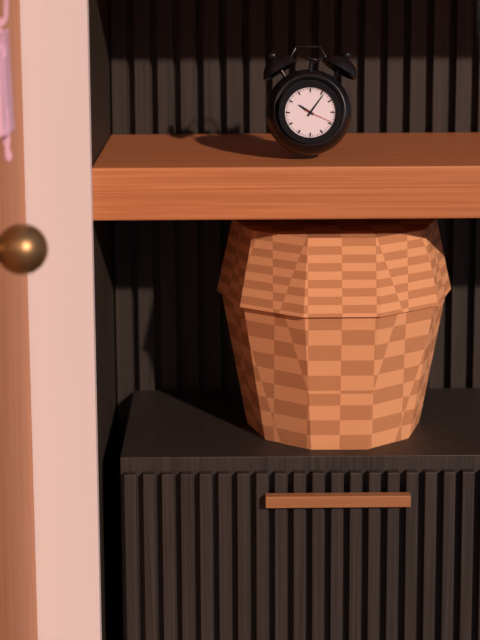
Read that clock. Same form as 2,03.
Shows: 10,06
